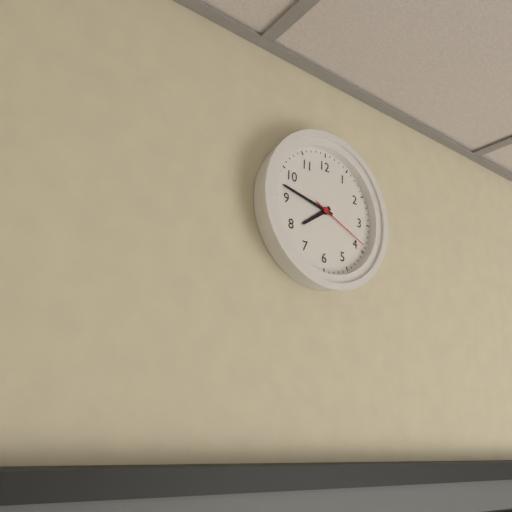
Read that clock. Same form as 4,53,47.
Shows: 7,47,19
